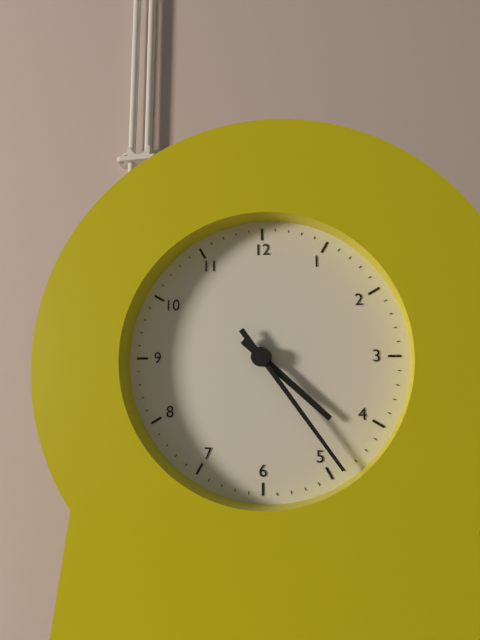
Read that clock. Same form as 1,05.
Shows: 4,24
